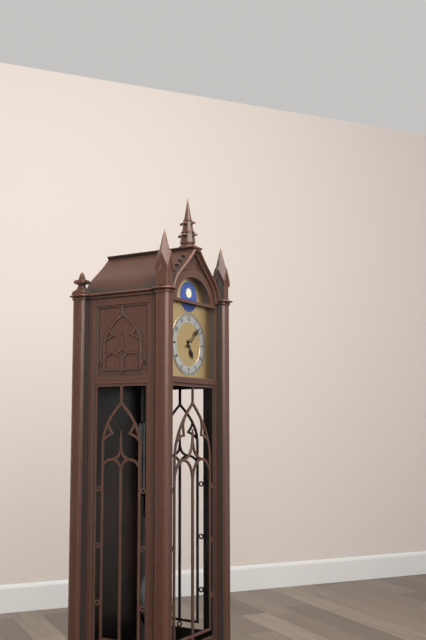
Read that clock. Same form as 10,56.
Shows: 5,08
